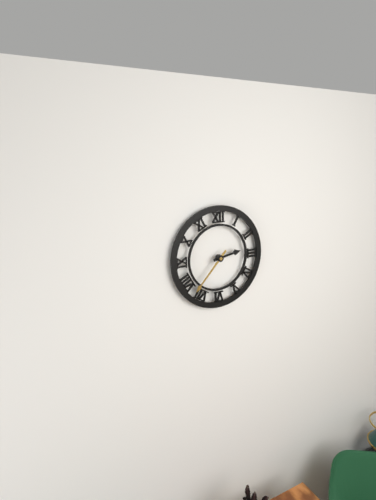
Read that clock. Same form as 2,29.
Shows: 2,37
